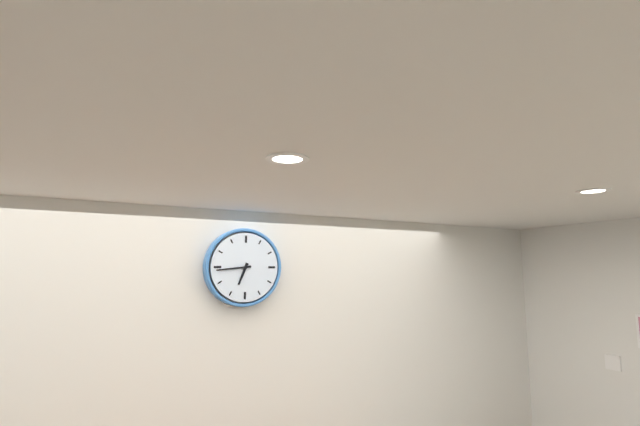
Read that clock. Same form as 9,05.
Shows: 6,44
